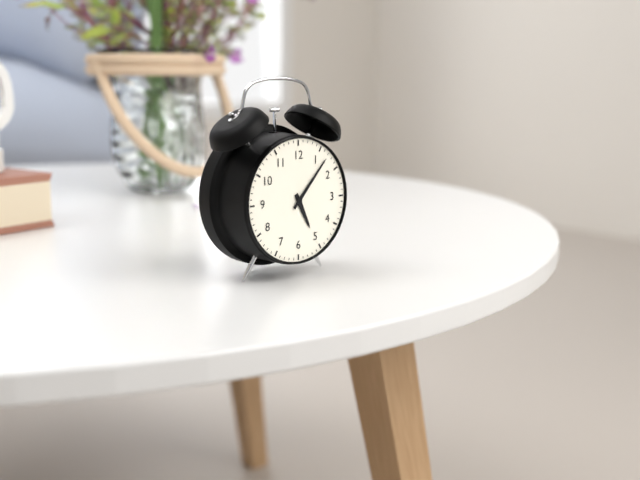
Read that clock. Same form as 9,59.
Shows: 5,07
